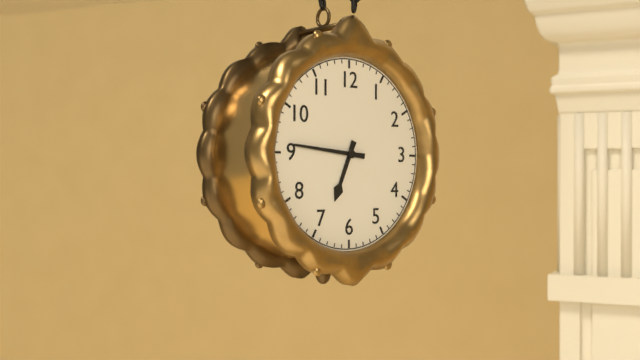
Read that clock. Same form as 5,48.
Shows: 6,46
